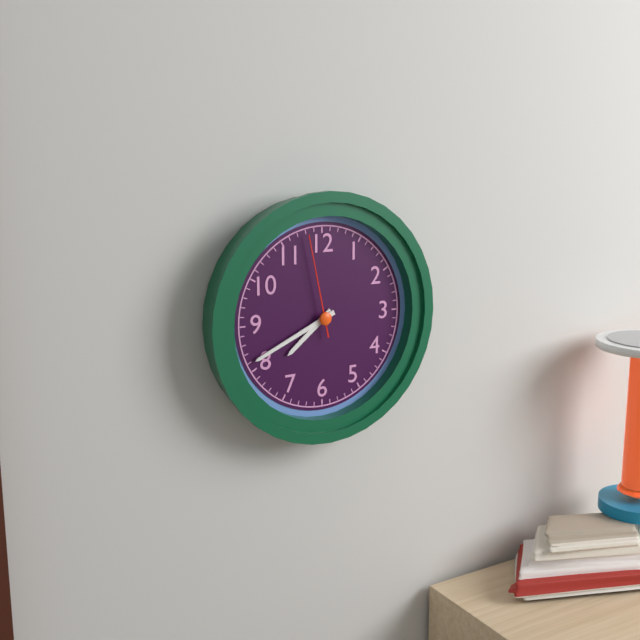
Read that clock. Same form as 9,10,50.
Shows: 7,41,58
